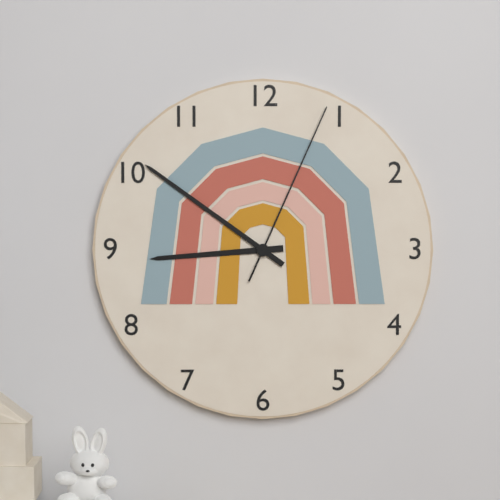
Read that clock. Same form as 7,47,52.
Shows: 8,51,04
